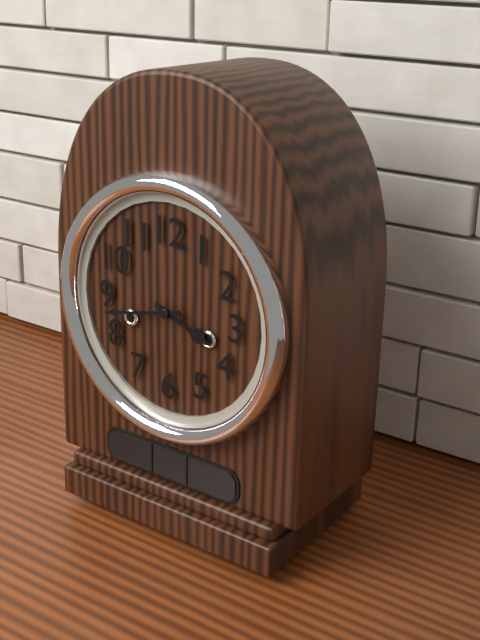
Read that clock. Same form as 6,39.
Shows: 3,43
